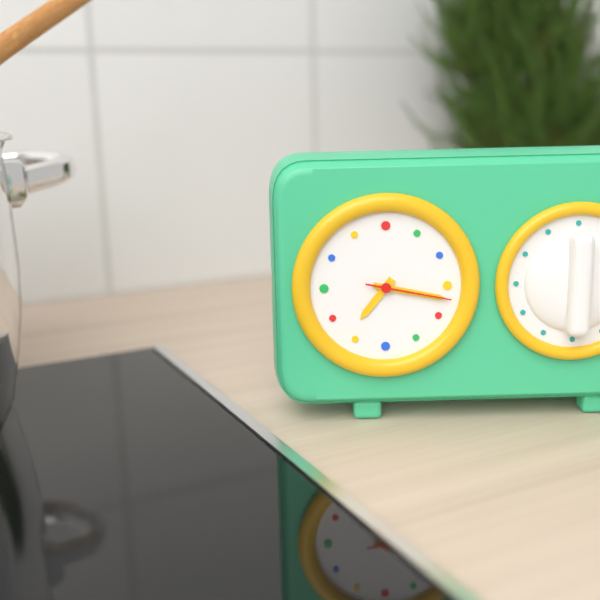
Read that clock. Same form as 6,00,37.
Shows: 7,17,17
